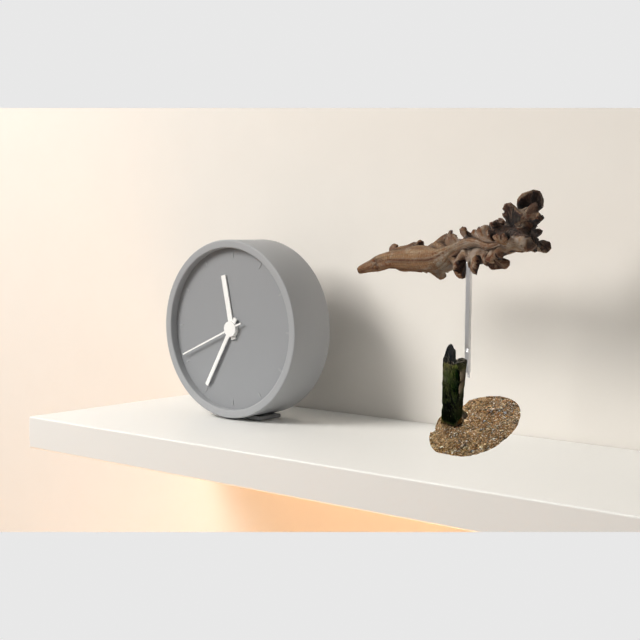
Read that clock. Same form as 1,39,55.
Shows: 11,35,41
